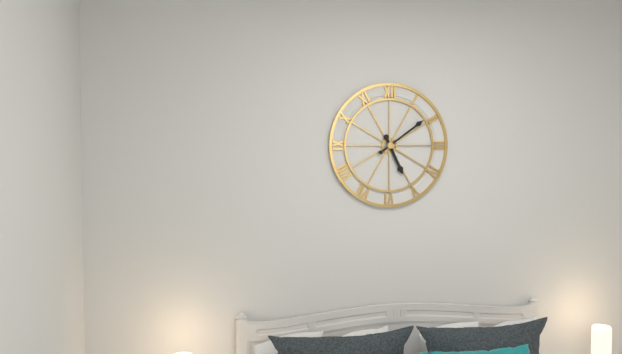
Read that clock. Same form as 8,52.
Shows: 5,09
